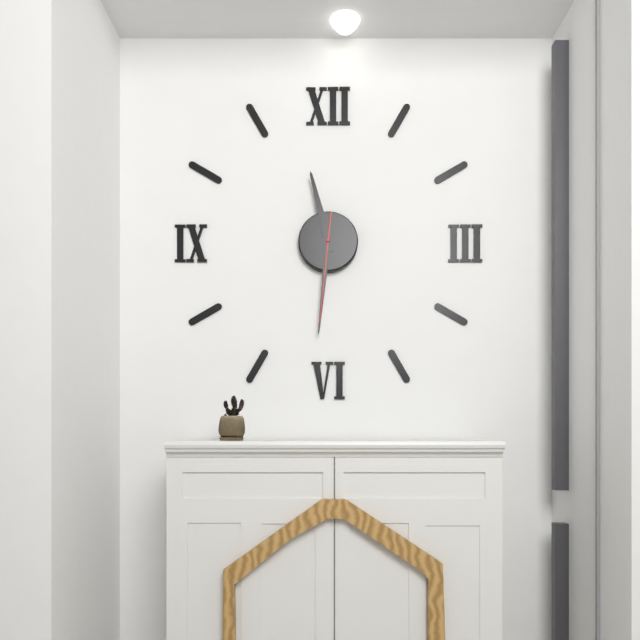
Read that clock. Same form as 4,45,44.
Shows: 11,31,31
